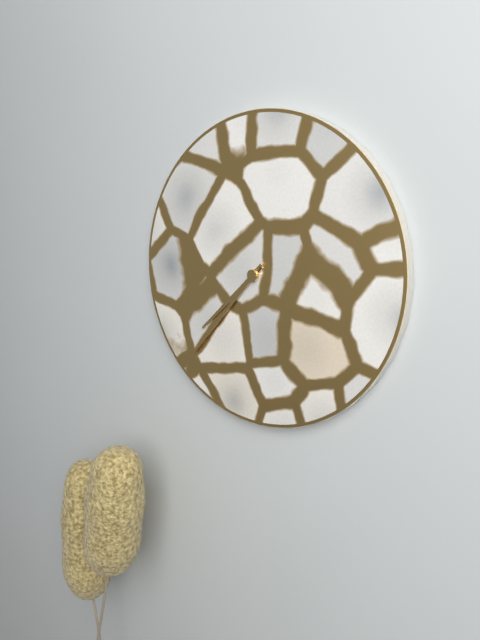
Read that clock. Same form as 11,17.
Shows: 7,37
